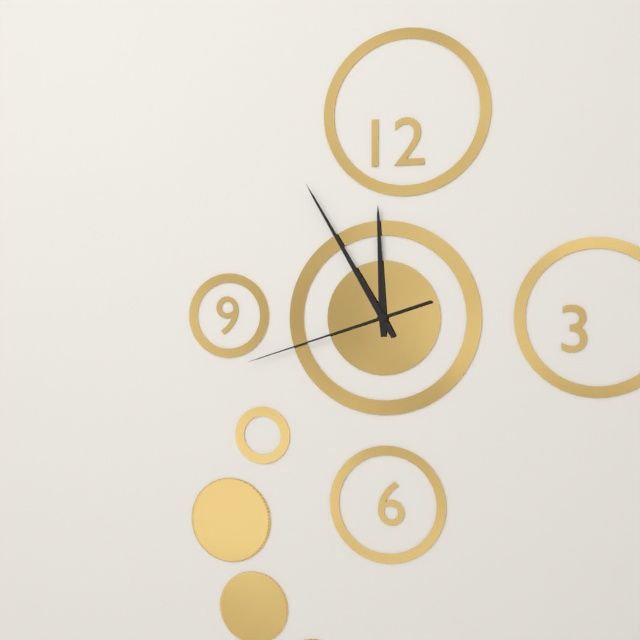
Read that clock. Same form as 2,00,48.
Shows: 11,55,42
